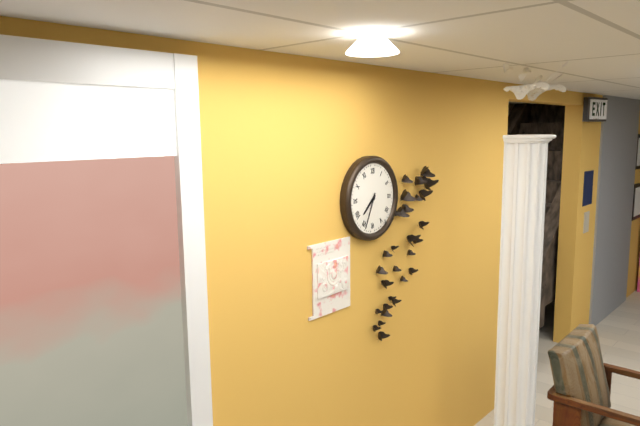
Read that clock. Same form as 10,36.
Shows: 7,34
